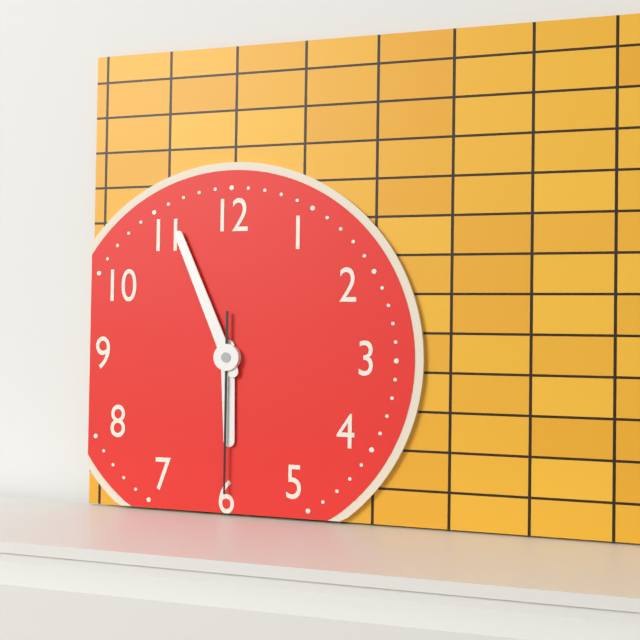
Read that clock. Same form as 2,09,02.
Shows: 5,56,30
